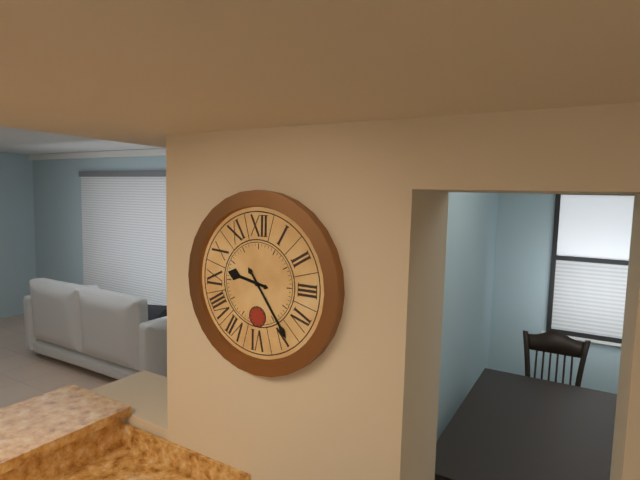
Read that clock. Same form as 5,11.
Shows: 9,24
